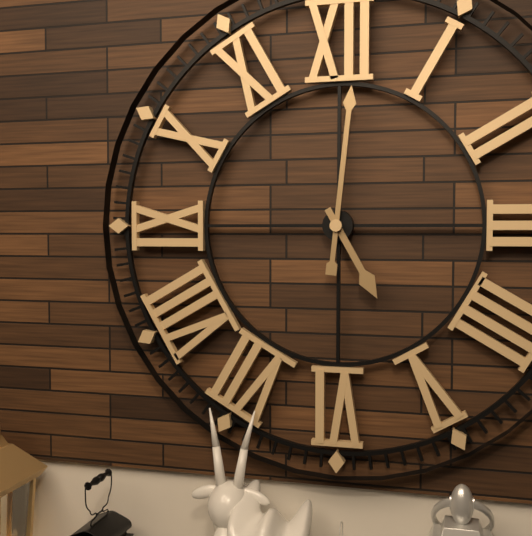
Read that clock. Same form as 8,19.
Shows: 5,01
